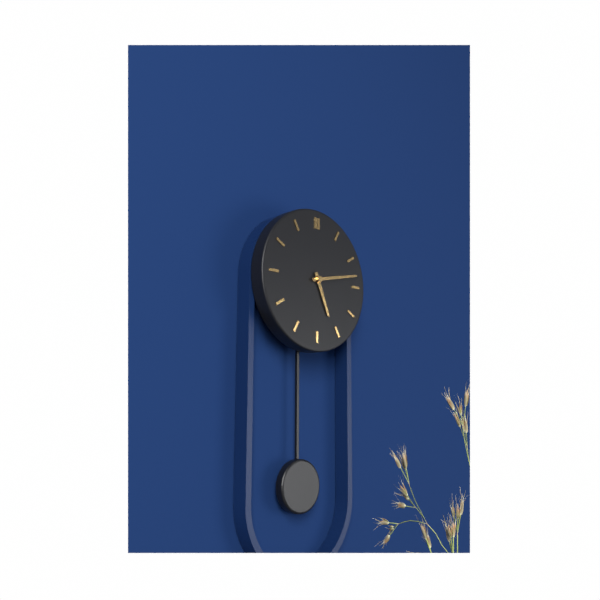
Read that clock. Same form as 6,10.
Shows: 5,13
